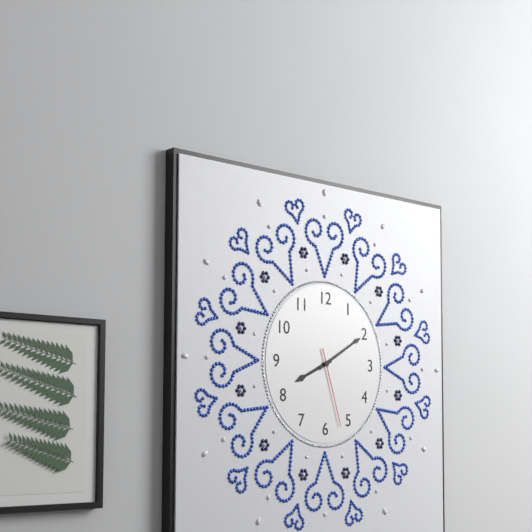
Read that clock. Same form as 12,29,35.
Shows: 8,10,27
